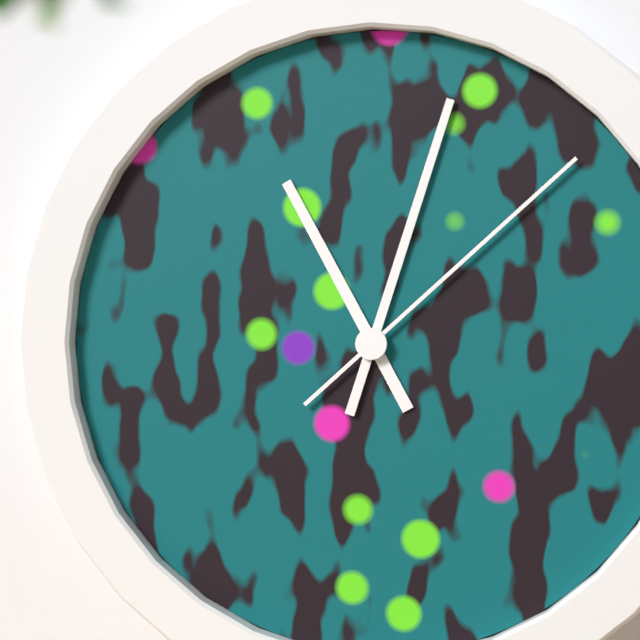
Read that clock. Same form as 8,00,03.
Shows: 11,03,08
